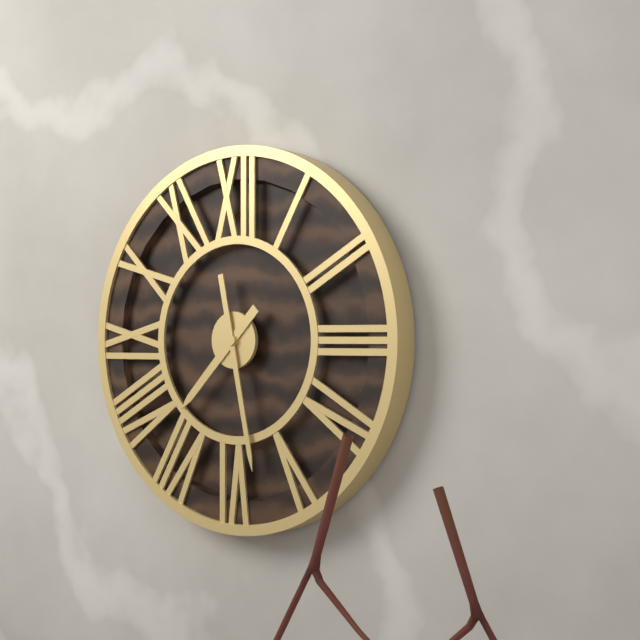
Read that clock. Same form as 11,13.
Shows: 7,28
